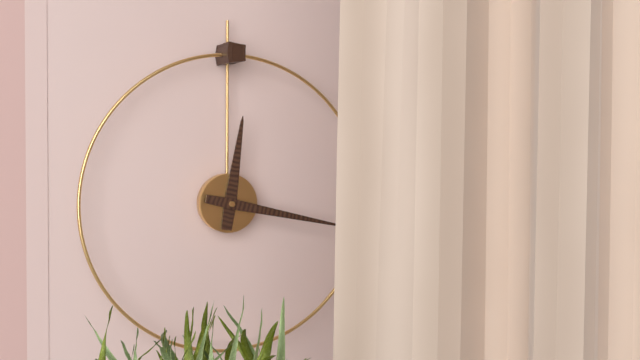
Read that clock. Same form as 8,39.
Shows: 12,17
